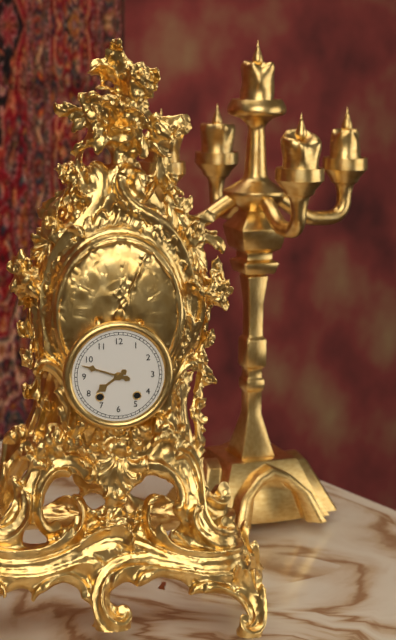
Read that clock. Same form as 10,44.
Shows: 7,48
